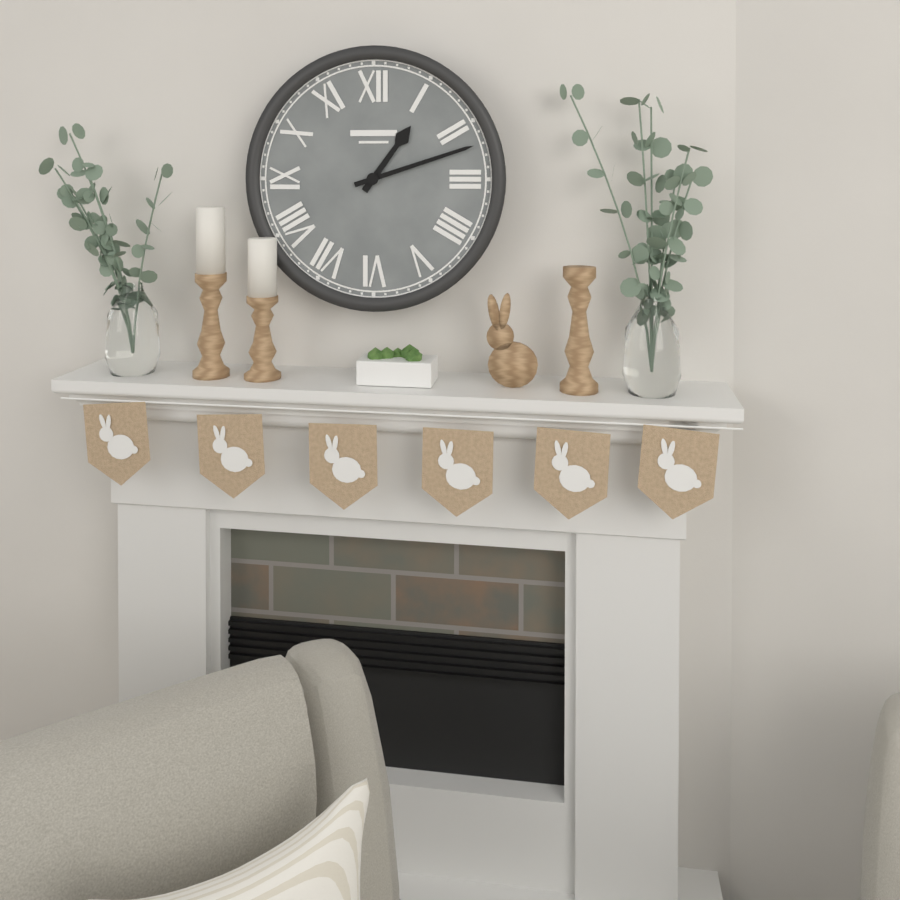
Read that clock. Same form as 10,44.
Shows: 1,12
